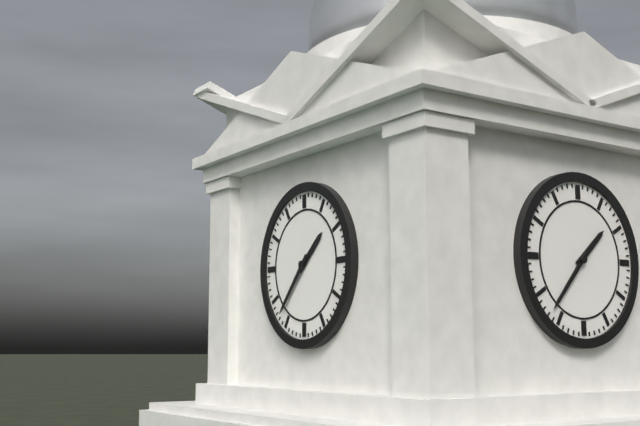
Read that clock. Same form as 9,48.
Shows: 1,37
